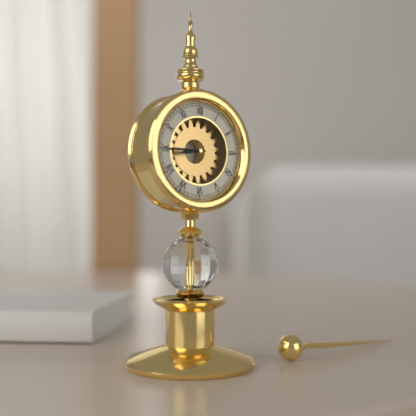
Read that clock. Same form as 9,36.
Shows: 8,45
